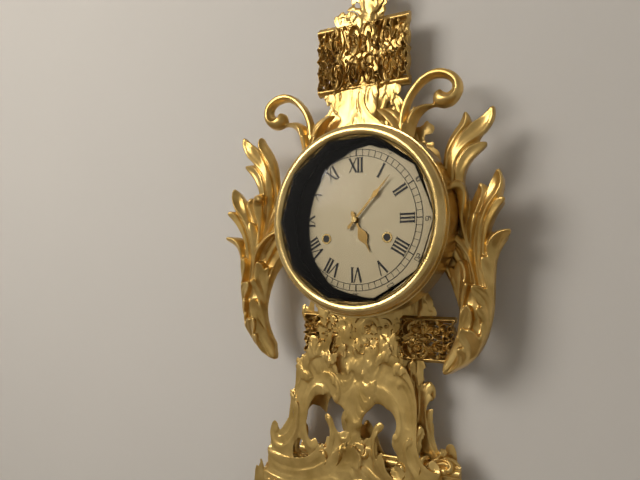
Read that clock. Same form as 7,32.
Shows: 5,07
